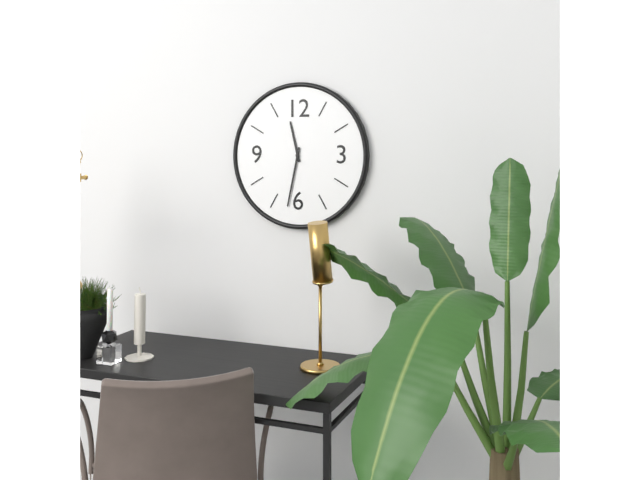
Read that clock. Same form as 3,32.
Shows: 11,32
